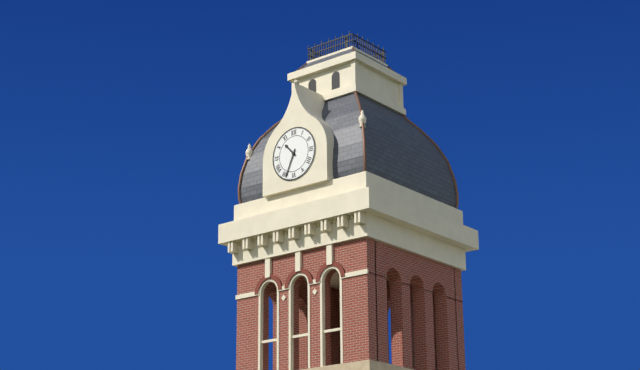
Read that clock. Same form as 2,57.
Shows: 10,34
